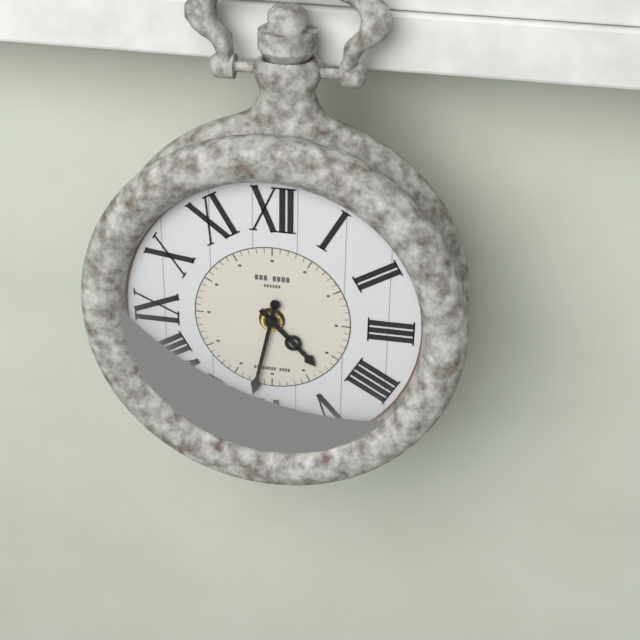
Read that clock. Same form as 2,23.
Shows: 4,32
